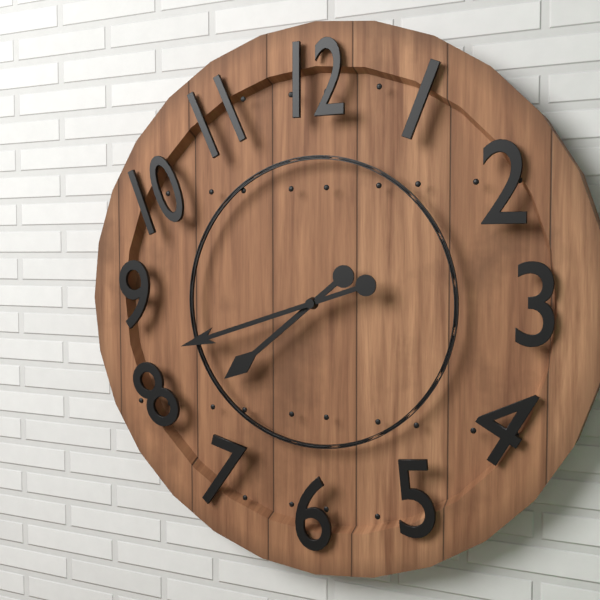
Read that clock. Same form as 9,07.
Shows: 7,42
